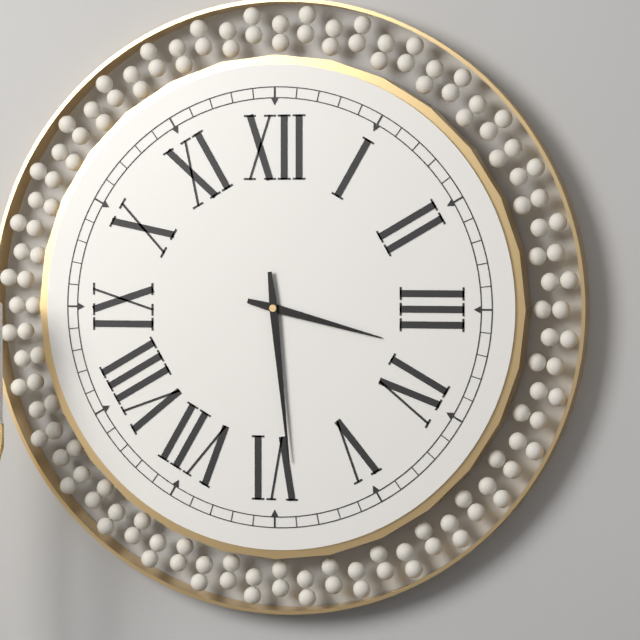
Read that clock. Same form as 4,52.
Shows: 3,29
